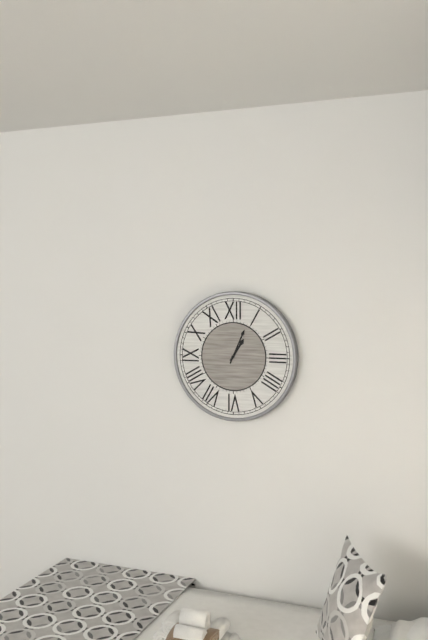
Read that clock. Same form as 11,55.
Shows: 1,04
